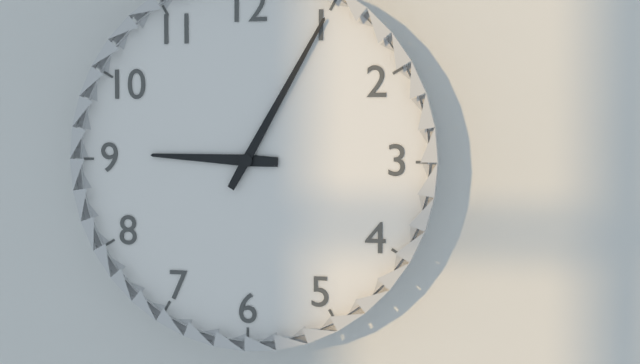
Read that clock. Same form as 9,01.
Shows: 9,05
